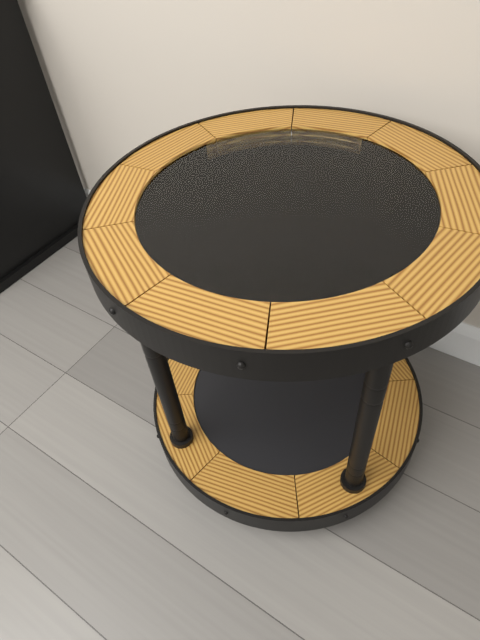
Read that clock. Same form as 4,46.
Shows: 3,04
